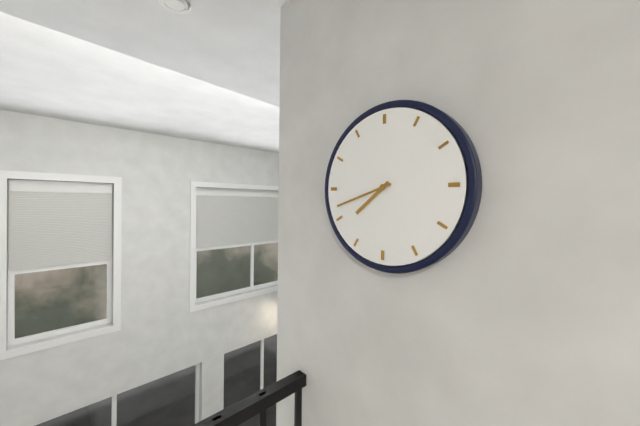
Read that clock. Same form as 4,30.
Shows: 7,42
